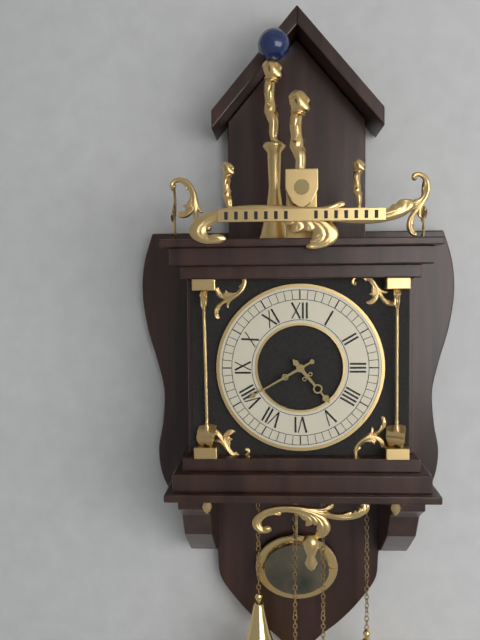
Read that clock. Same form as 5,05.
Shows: 4,40
